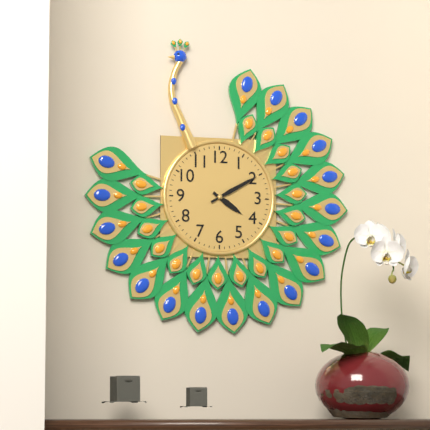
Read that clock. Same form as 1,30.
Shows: 4,10
